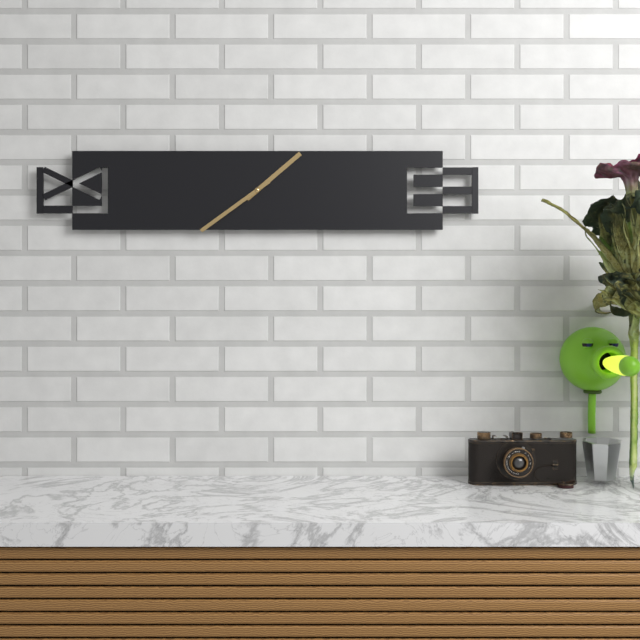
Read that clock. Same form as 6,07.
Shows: 1,39
